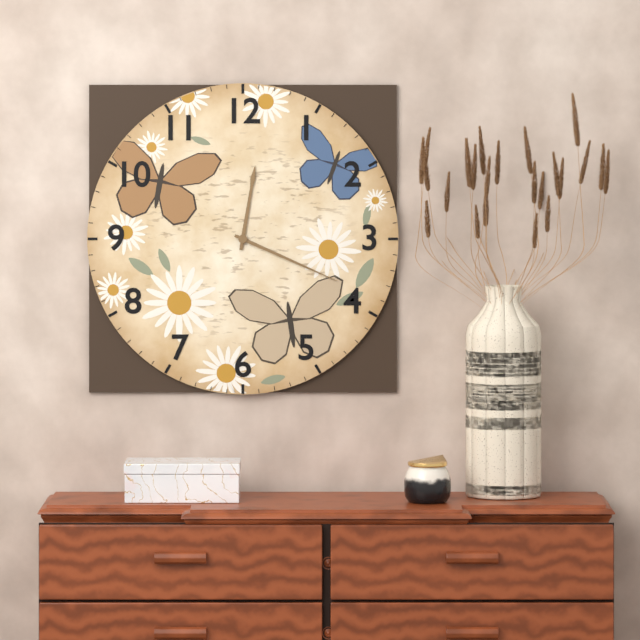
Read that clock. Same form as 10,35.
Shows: 12,19
